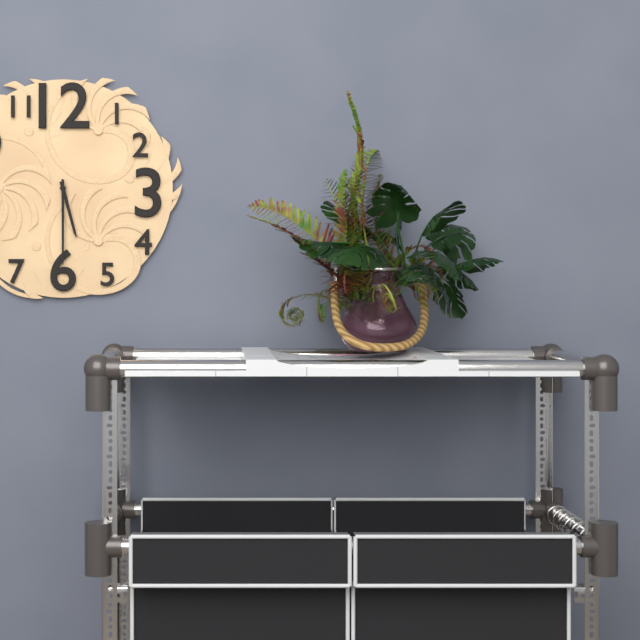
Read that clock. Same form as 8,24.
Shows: 5,30
